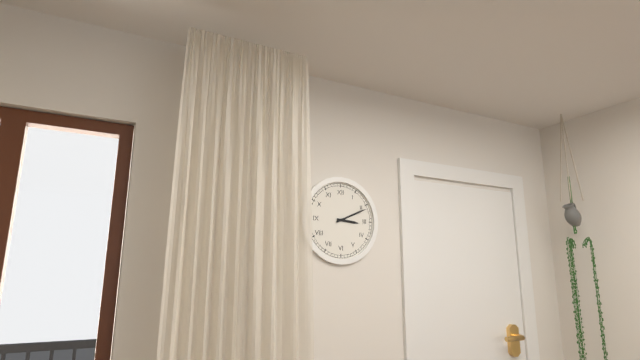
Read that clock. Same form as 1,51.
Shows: 3,11
